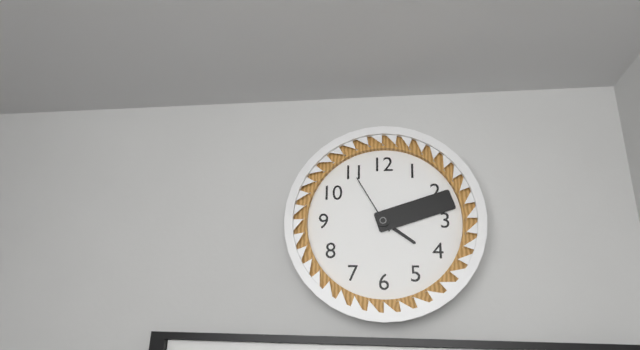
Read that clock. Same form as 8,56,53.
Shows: 4,12,55
